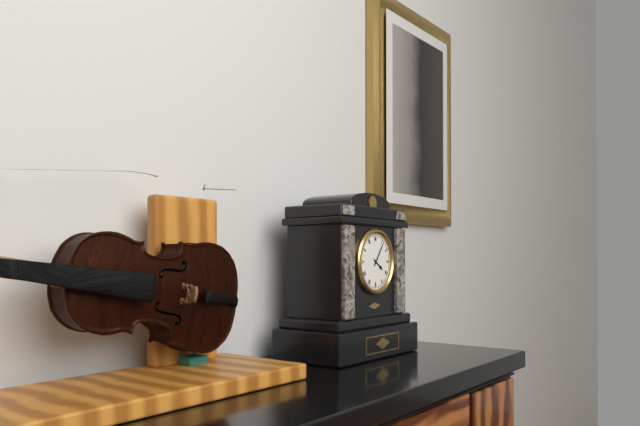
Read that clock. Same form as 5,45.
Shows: 4,06
